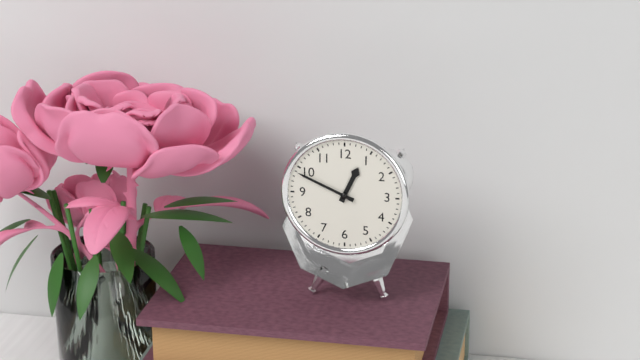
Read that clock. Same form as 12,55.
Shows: 12,49
